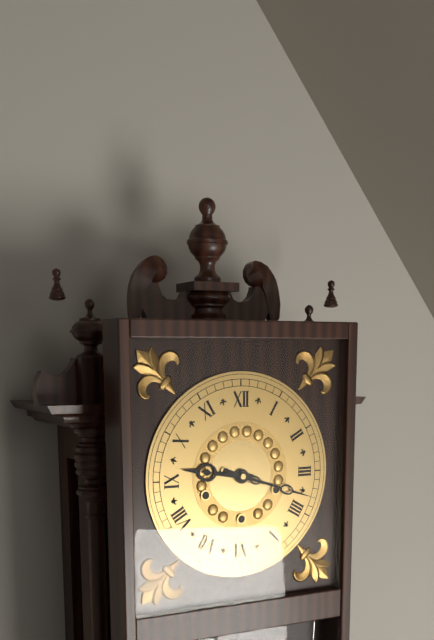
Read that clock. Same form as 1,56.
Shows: 9,18
